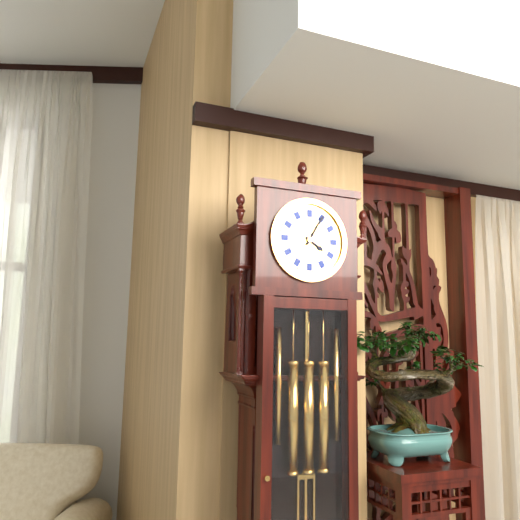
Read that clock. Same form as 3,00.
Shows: 4,05
